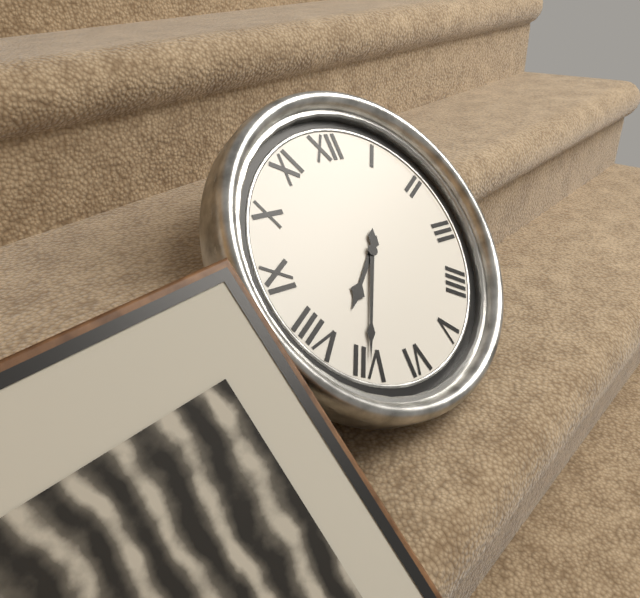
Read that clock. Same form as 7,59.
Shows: 7,35
